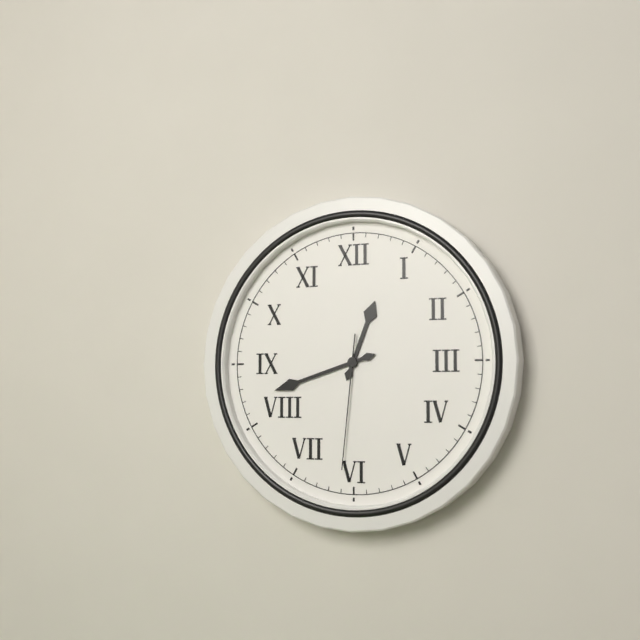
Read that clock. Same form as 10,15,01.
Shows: 12,42,31
